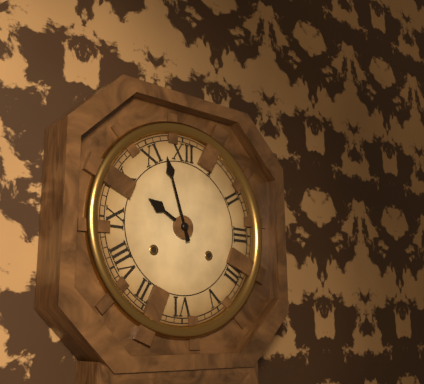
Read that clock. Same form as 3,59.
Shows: 9,57
